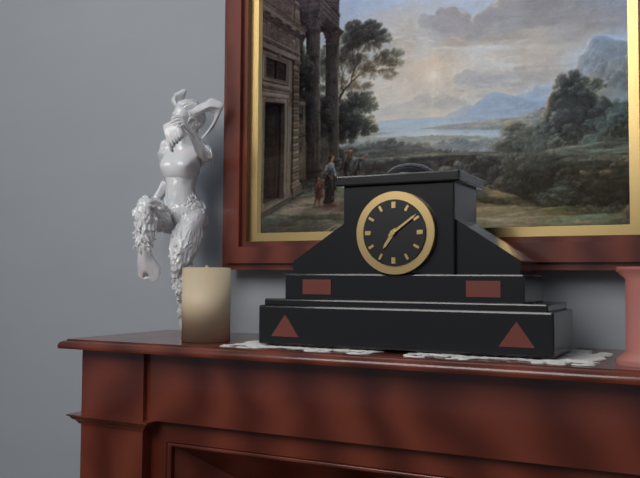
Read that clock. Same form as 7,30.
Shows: 7,09
